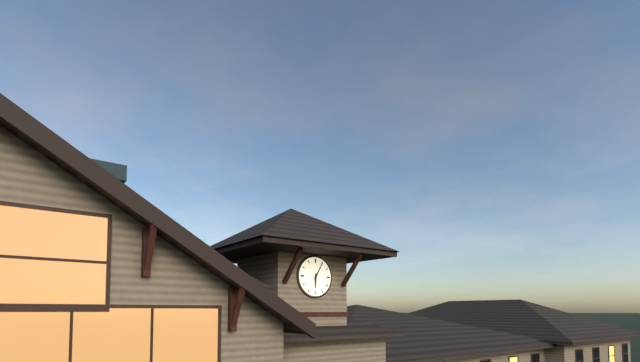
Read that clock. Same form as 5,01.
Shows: 6,05
